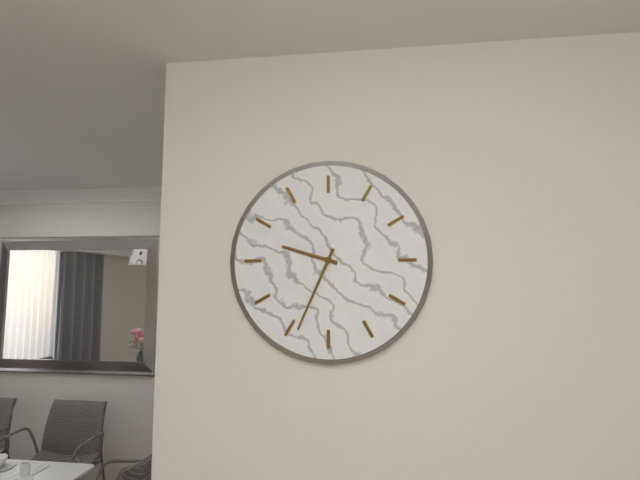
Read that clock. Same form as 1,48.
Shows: 9,34
